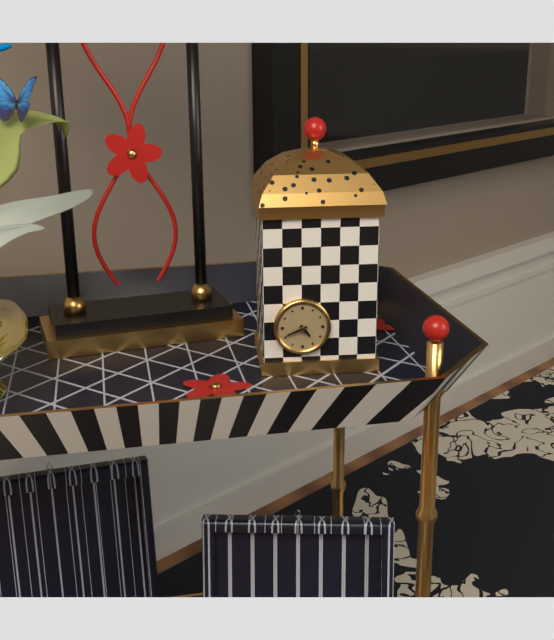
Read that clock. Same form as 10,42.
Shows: 4,41
